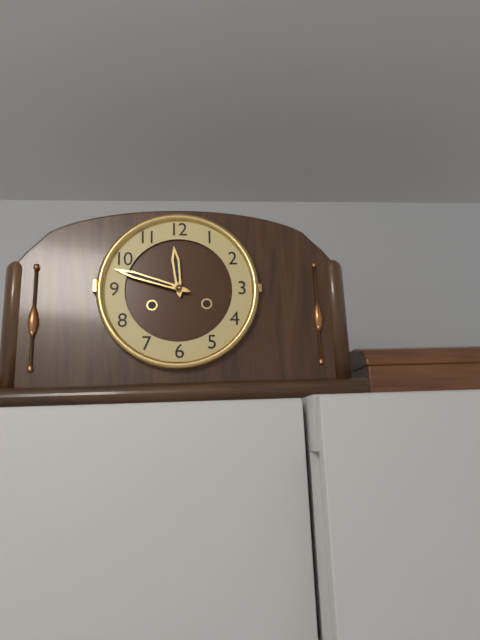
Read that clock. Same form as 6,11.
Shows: 11,48
